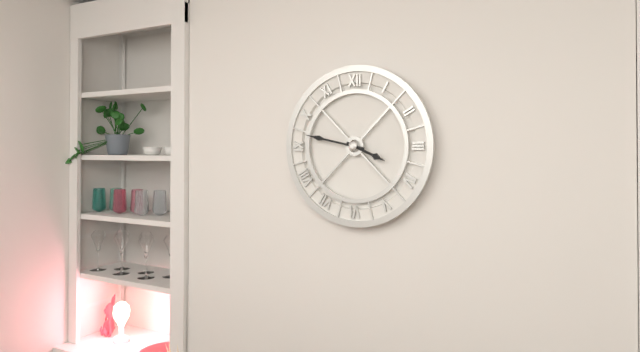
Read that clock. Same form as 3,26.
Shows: 3,47
